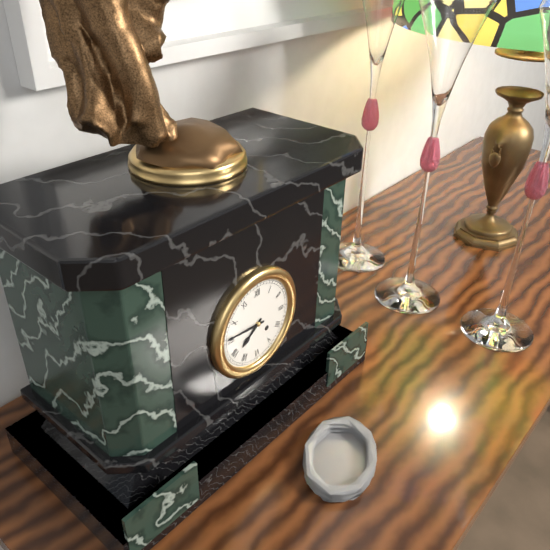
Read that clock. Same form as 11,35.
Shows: 7,46
